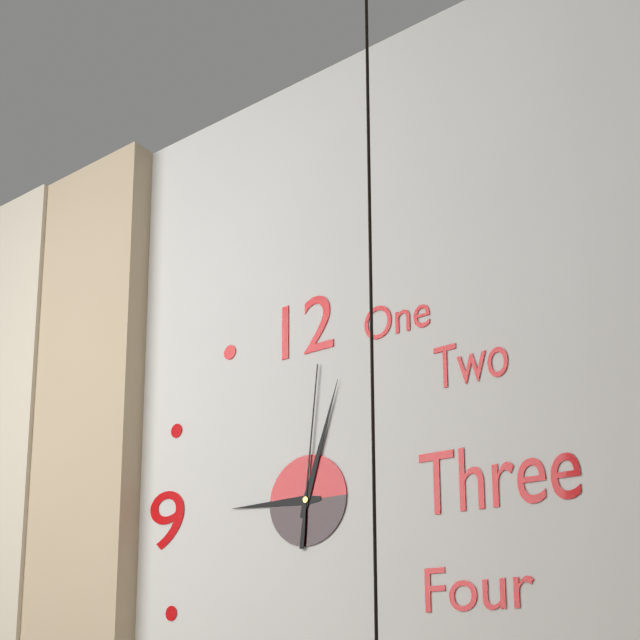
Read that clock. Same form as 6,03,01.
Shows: 9,03,01
